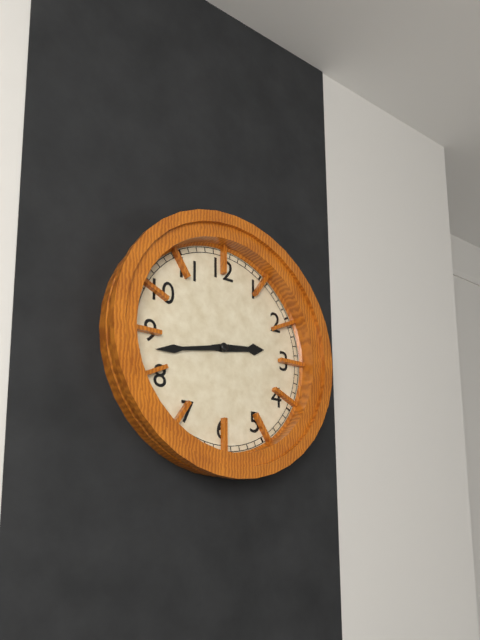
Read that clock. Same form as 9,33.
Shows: 2,43
